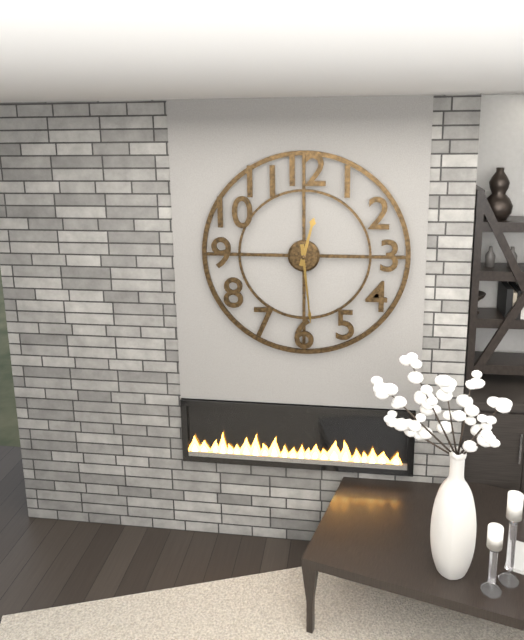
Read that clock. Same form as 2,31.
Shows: 12,29
